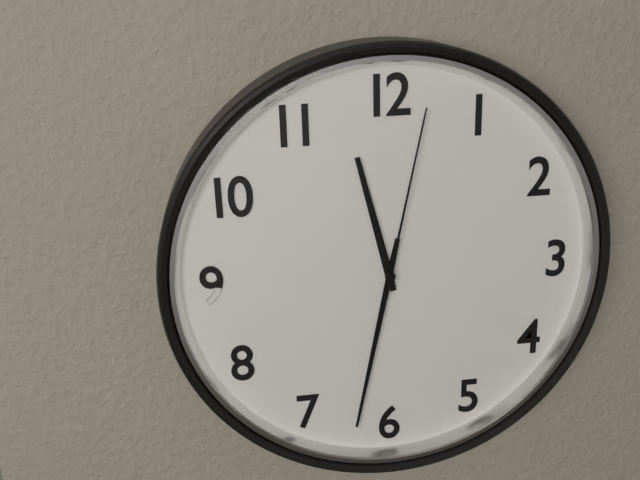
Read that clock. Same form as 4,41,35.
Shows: 11,32,02
